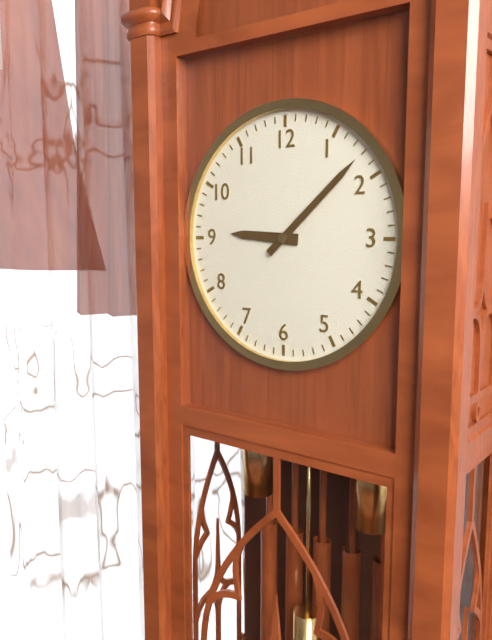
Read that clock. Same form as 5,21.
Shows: 9,08
